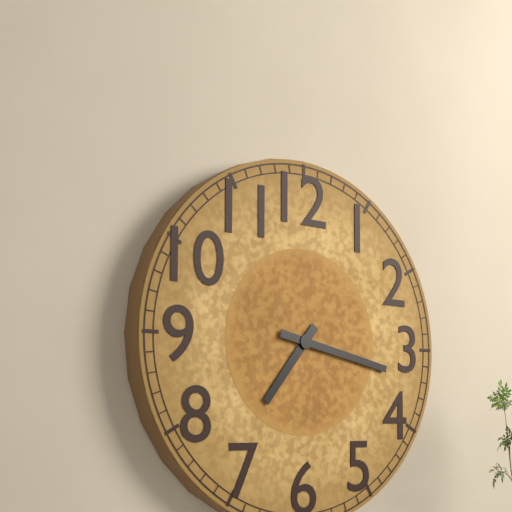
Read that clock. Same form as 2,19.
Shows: 7,17
